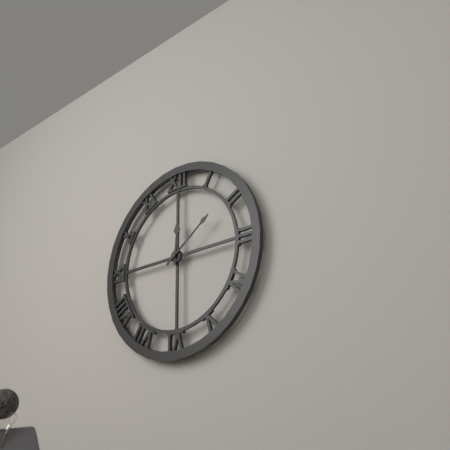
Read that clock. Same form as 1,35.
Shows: 12,09
